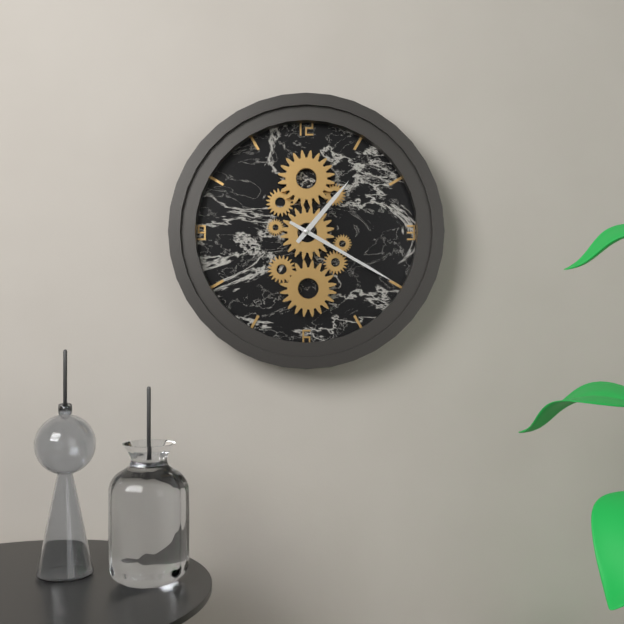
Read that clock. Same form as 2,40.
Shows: 1,20
